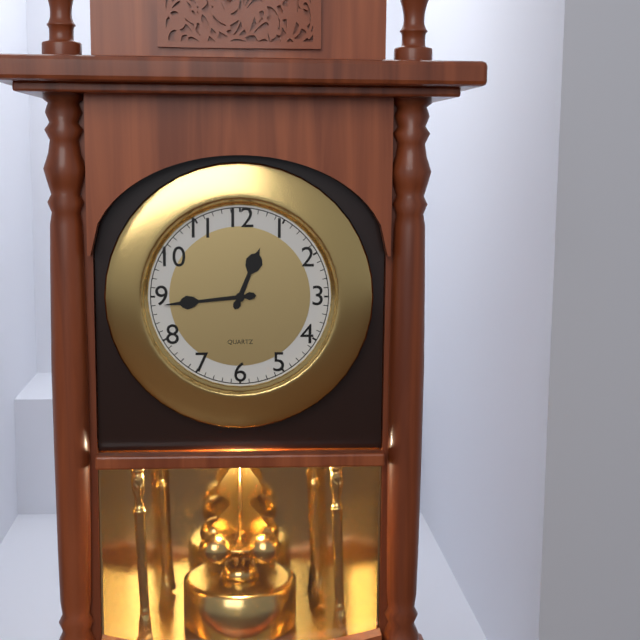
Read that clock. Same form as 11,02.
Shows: 12,44
